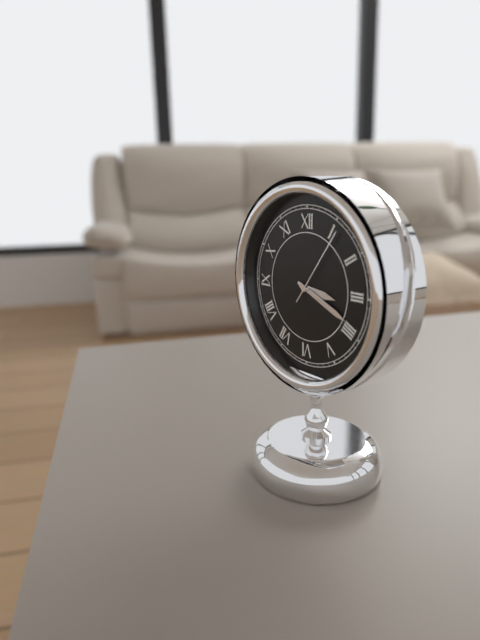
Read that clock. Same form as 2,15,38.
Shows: 3,19,06
